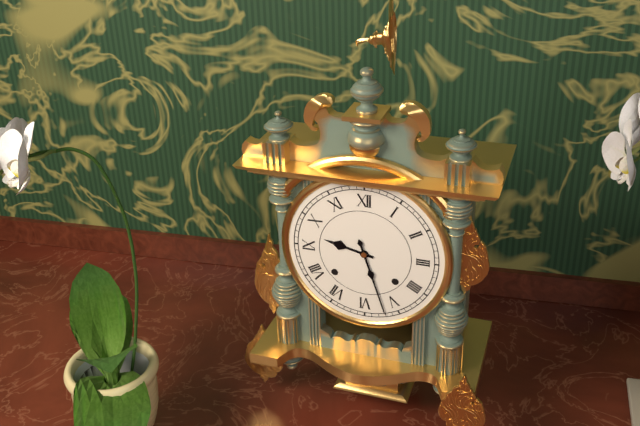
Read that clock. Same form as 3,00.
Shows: 9,27
